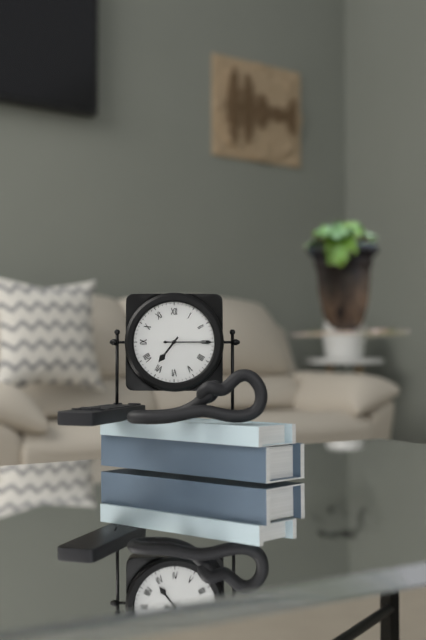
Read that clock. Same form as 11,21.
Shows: 7,15
